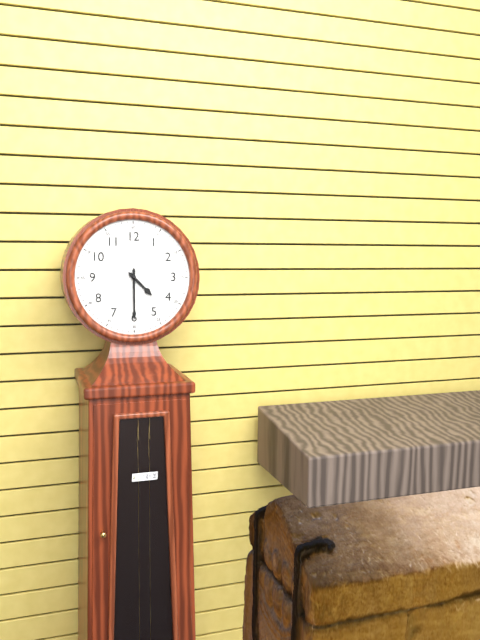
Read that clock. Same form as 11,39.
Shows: 4,30
